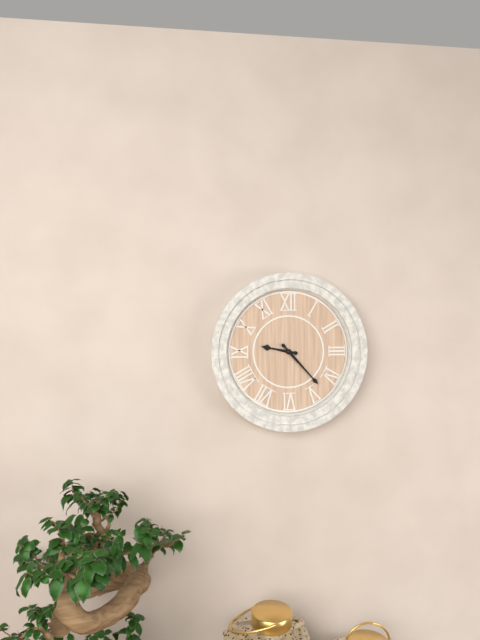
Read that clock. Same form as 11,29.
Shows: 9,23
